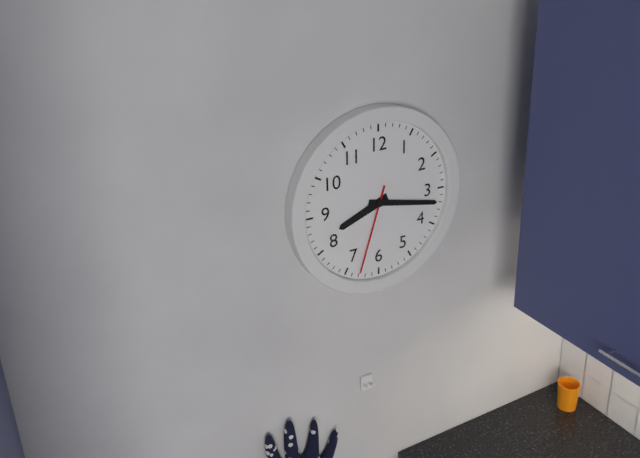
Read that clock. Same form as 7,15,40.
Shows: 8,17,33
